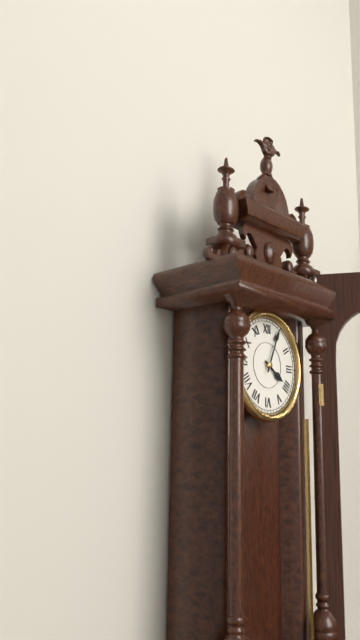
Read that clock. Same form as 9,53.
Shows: 4,04
